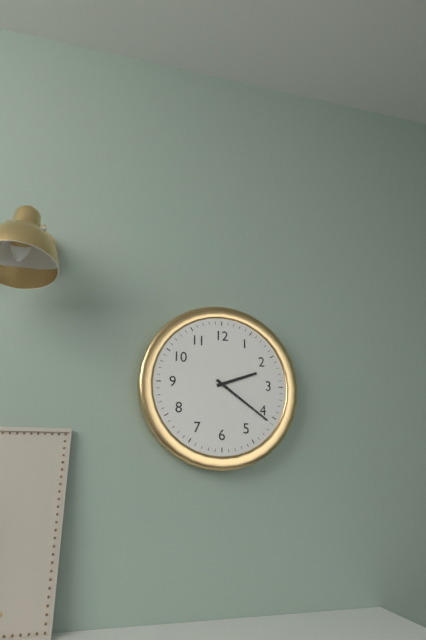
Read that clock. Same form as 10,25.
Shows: 2,21
